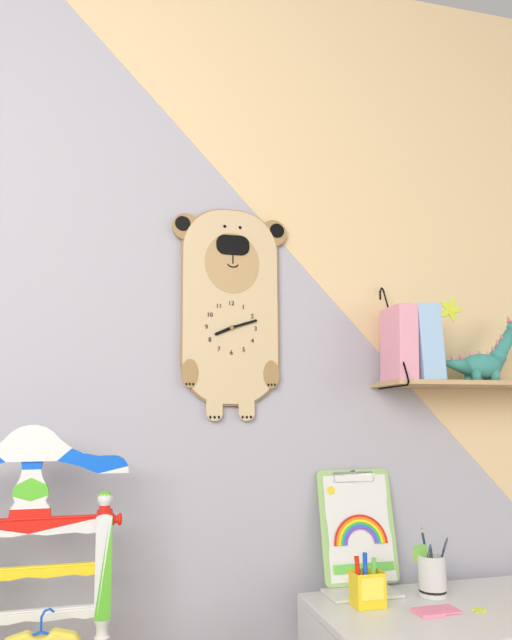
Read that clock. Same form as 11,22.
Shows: 8,12
